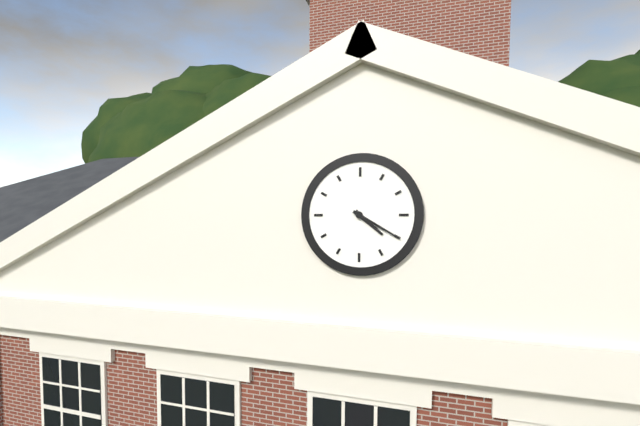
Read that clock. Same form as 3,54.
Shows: 4,20
